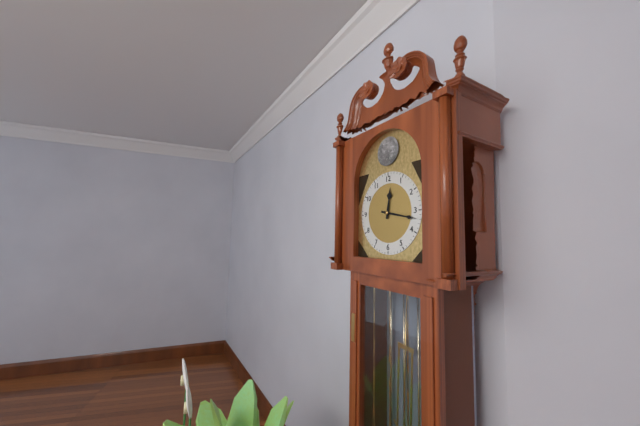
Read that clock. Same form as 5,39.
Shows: 12,17
